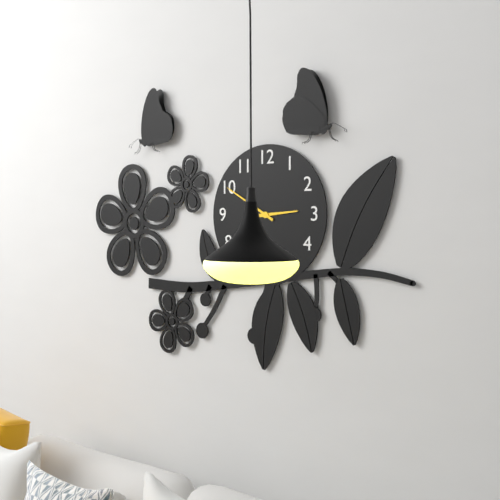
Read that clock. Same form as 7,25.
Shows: 2,50
